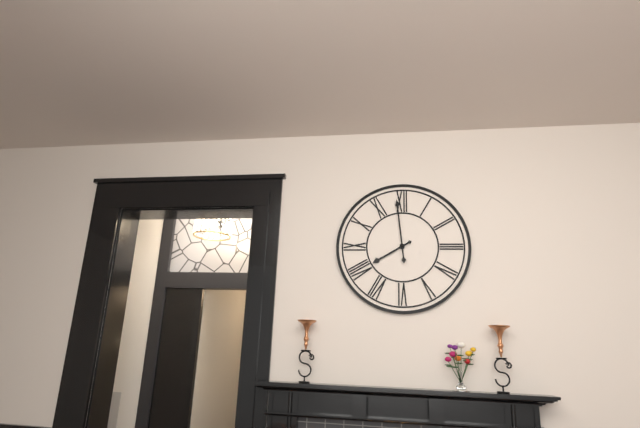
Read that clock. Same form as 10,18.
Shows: 7,59
